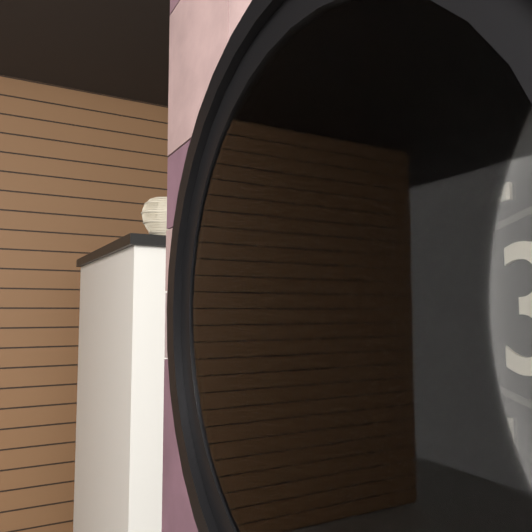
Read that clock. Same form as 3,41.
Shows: 7,48
